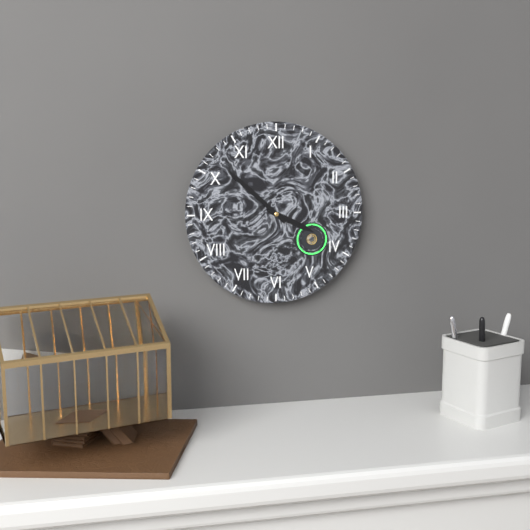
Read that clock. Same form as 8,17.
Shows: 3,52
